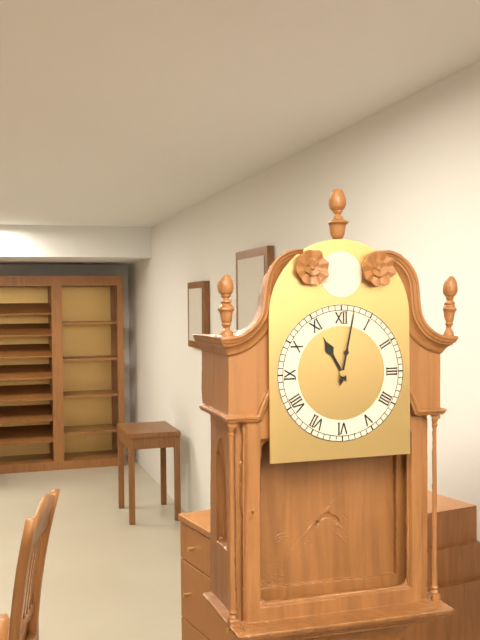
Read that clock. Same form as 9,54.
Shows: 11,02
